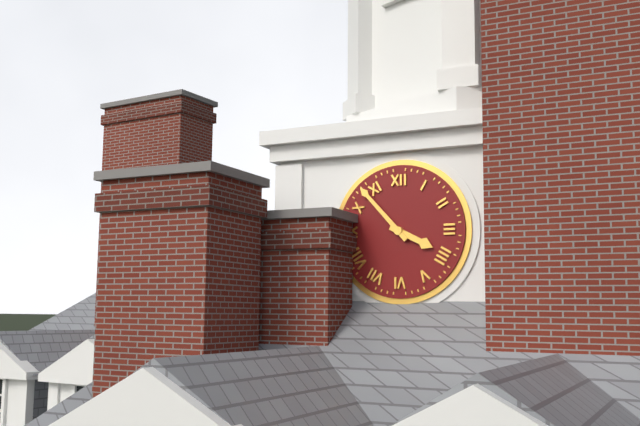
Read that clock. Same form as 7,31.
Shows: 3,53
